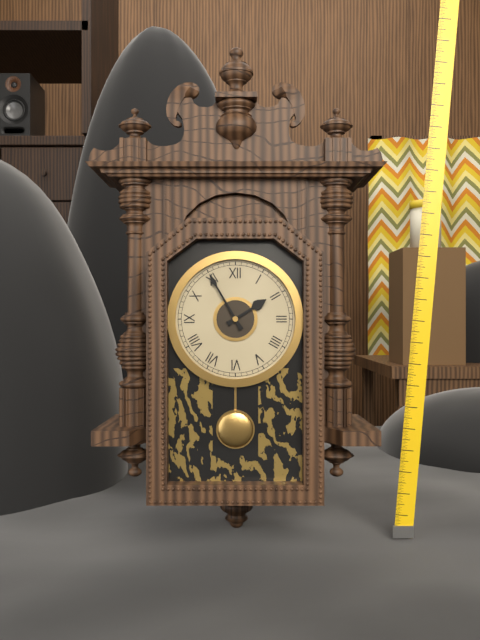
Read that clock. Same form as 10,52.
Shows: 1,55
